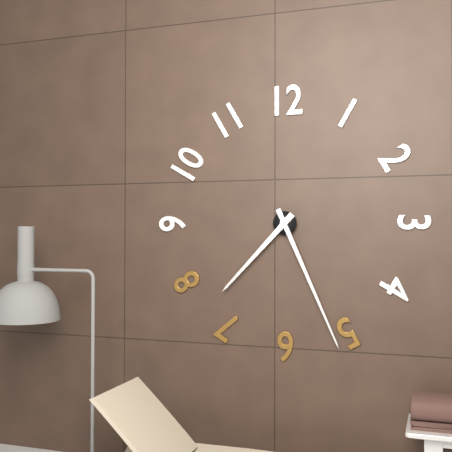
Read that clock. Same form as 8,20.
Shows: 7,26
